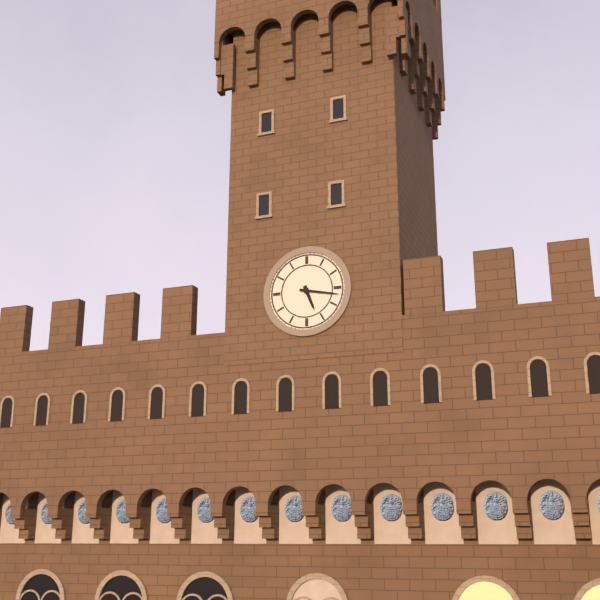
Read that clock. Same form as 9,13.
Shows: 5,17
